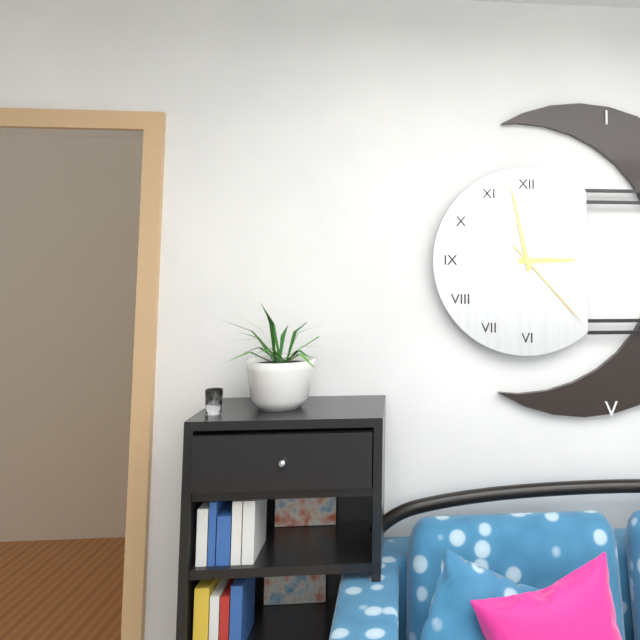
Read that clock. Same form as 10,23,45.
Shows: 2,58,23
